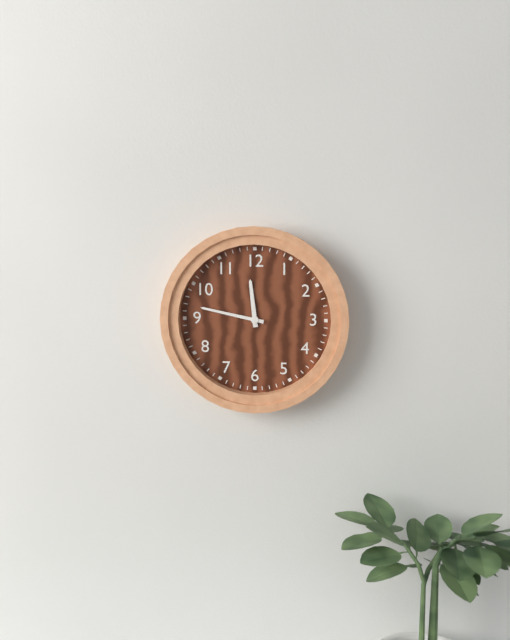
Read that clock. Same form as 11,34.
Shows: 11,47
